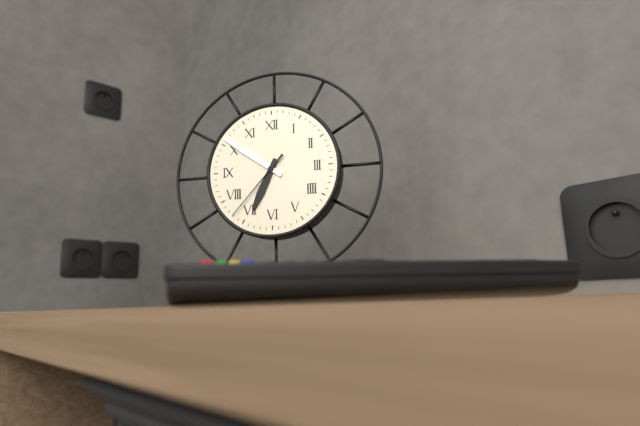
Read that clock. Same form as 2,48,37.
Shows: 6,51,37
